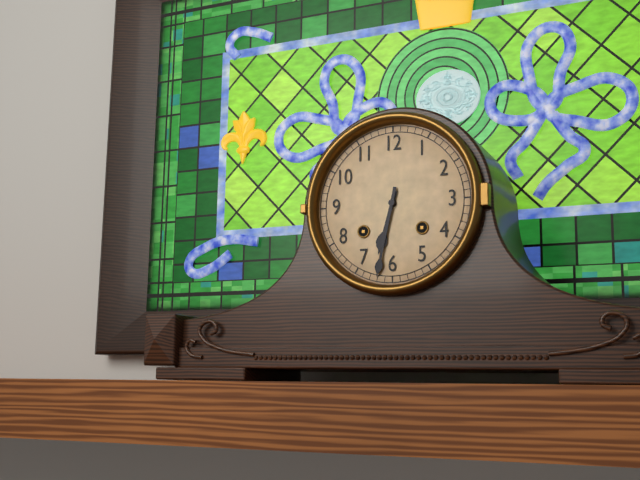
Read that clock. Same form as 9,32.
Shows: 6,32
